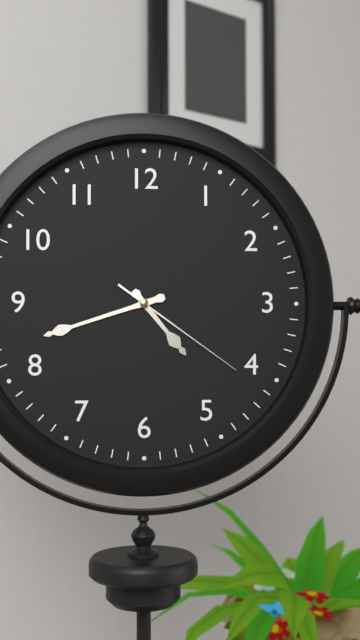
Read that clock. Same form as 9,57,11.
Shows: 4,42,21
